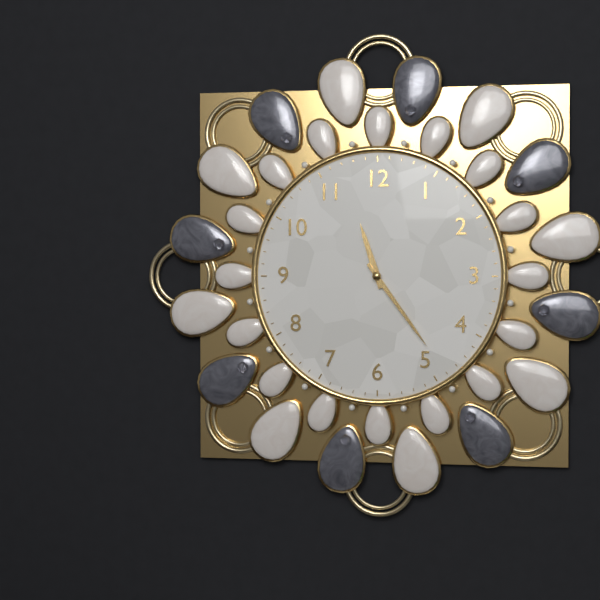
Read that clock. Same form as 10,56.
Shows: 11,24
